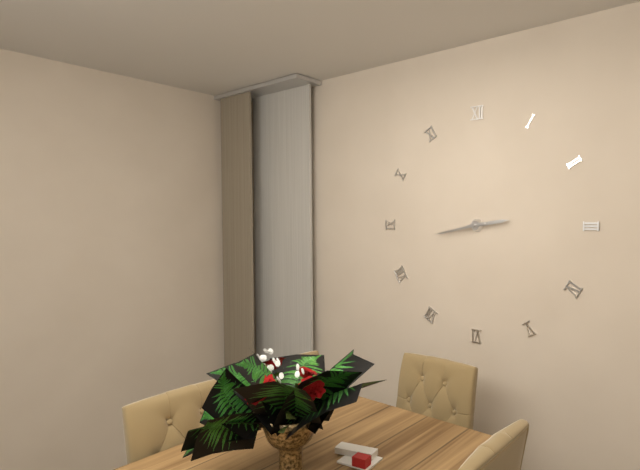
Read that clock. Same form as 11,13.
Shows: 2,43
